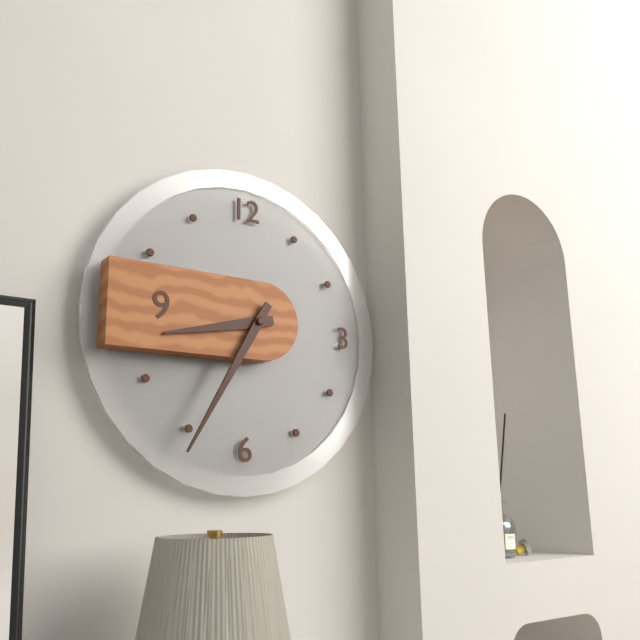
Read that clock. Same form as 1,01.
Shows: 8,35
